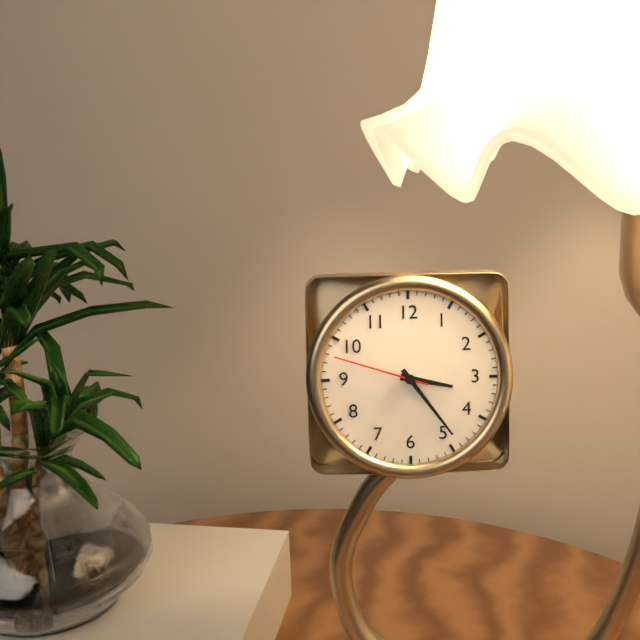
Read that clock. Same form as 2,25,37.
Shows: 3,24,48
